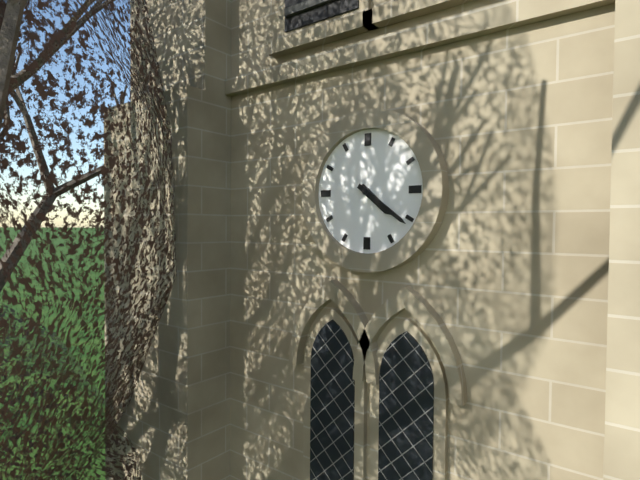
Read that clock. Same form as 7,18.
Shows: 4,21
